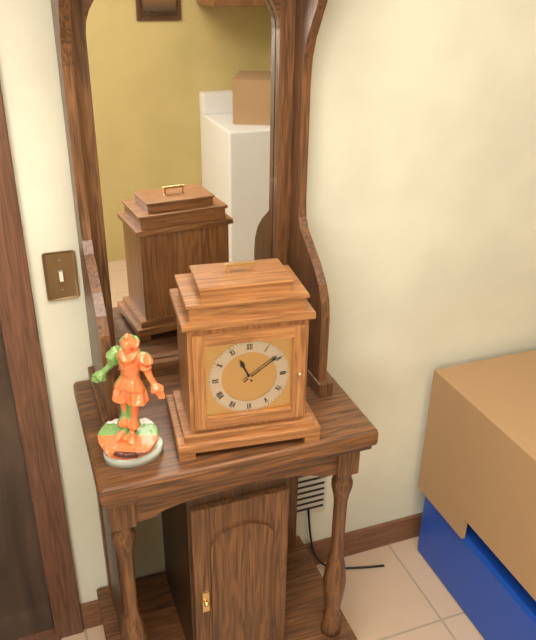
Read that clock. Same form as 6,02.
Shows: 11,09
